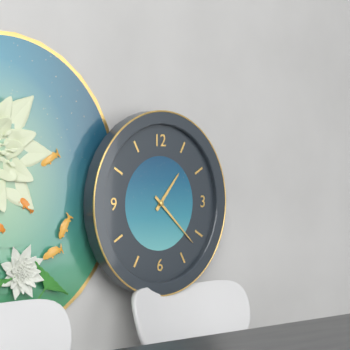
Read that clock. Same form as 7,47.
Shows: 1,22
